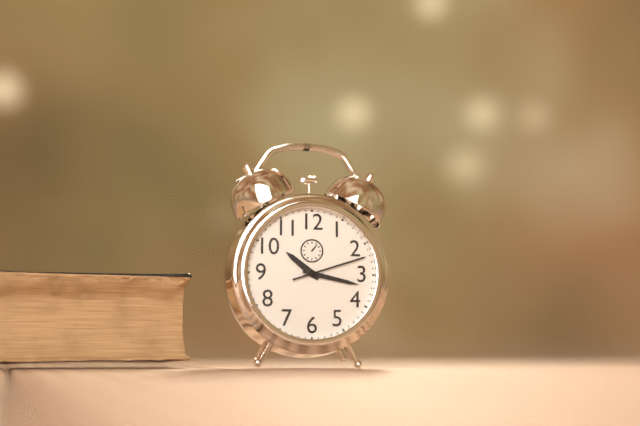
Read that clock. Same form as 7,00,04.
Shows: 10,17,12
